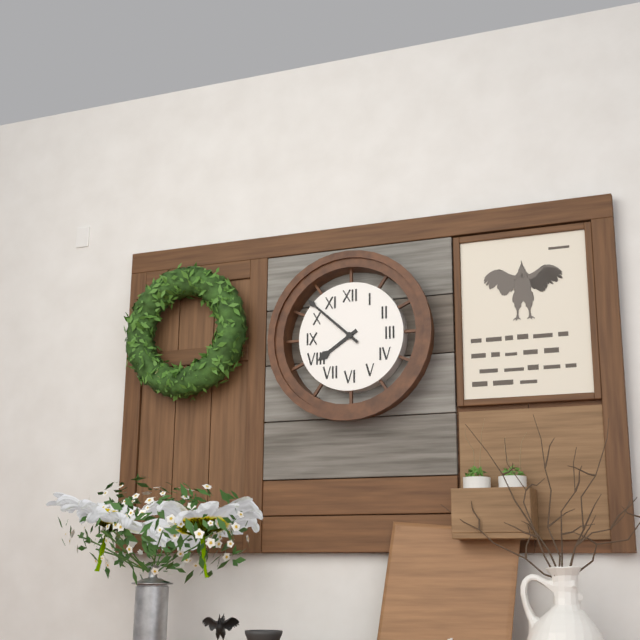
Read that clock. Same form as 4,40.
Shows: 7,52
